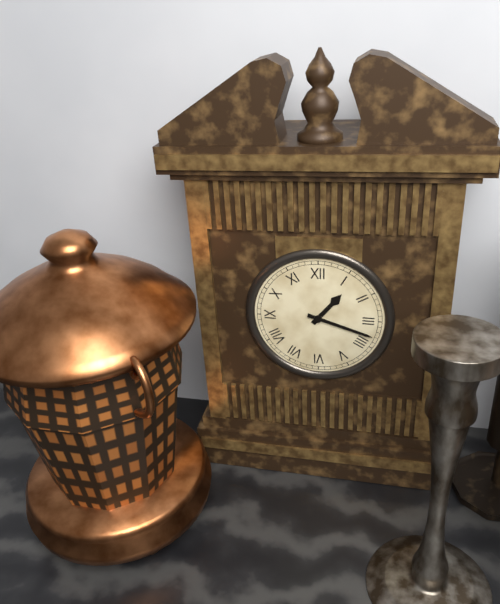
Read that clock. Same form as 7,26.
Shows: 1,18
